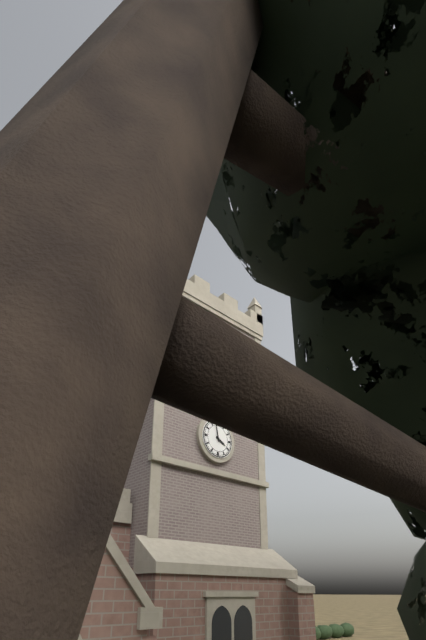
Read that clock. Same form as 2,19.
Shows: 3,58
